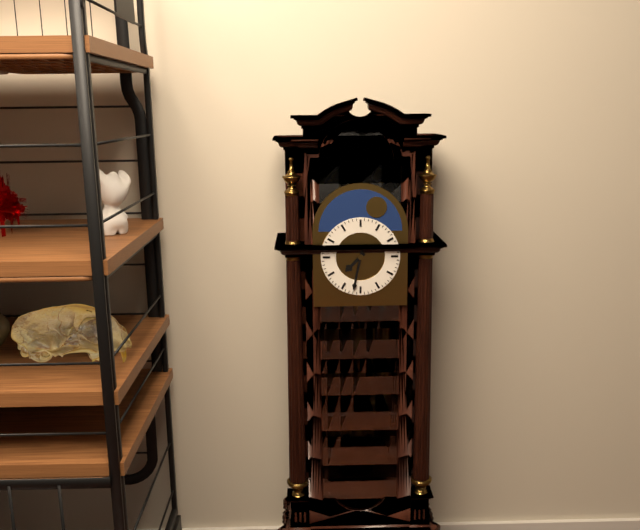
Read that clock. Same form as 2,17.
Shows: 7,32
